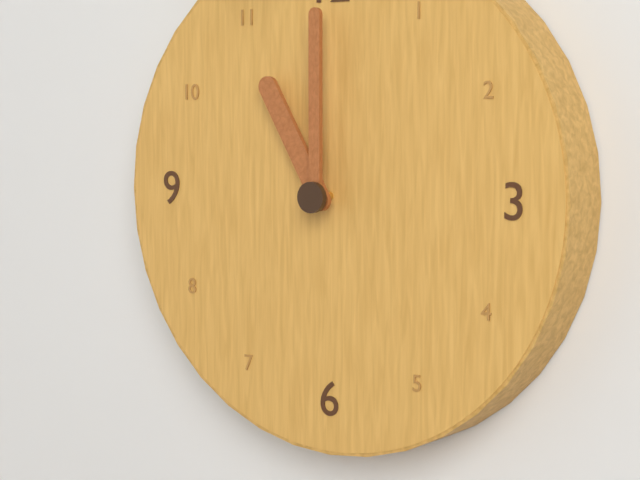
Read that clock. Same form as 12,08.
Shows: 11,00
